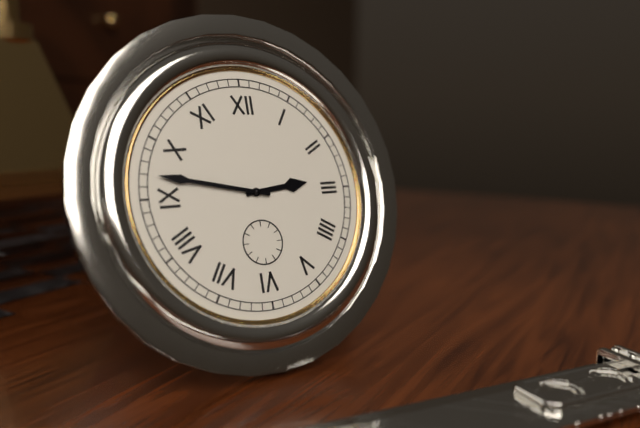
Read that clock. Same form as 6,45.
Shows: 2,47
